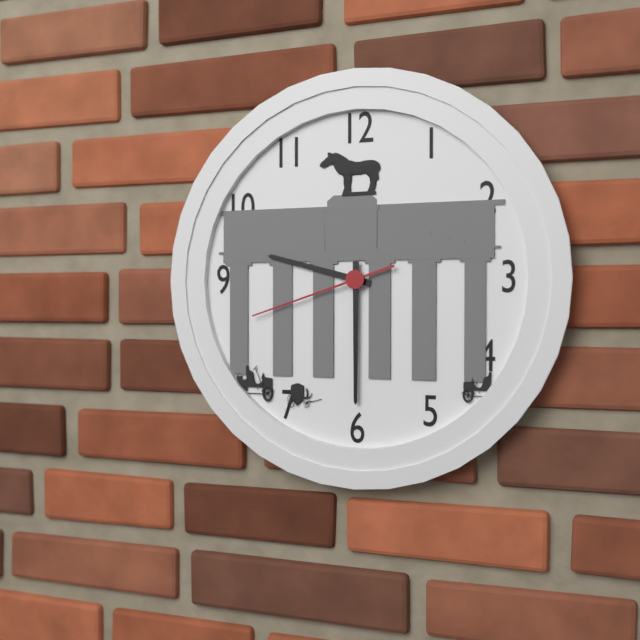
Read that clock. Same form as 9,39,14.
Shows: 9,30,42
